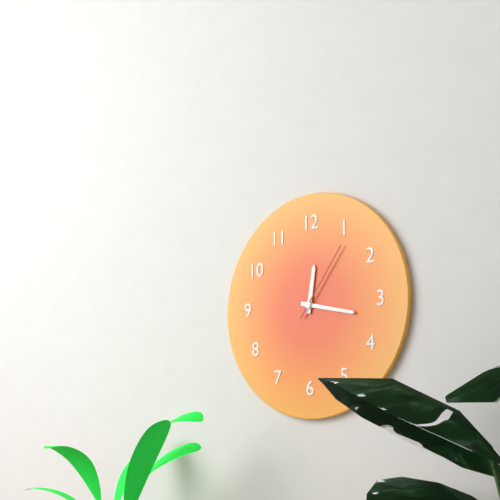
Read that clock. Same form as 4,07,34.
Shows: 12,17,06
